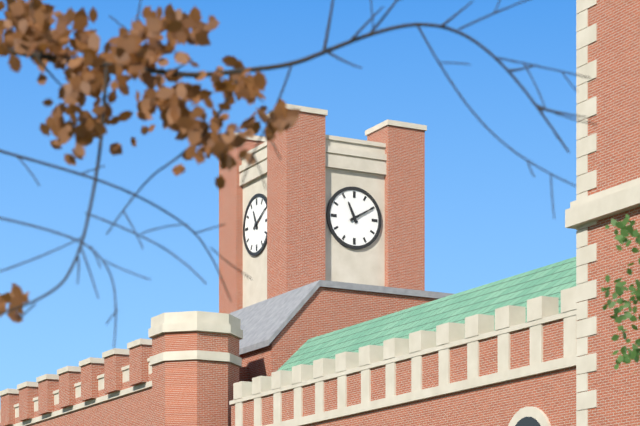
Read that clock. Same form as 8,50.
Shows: 11,10
